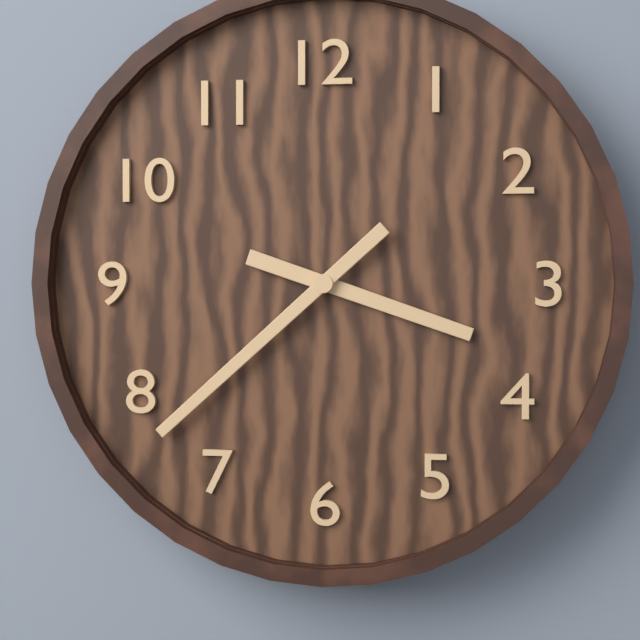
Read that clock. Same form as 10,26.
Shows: 3,38
